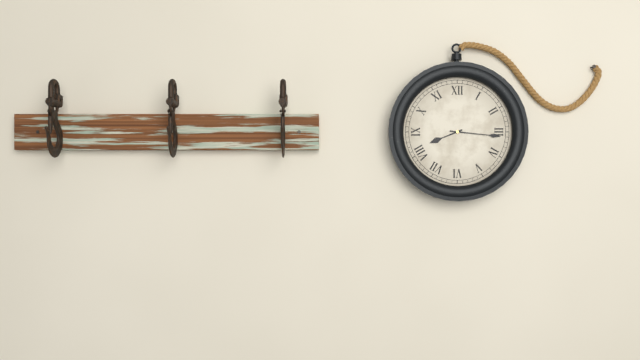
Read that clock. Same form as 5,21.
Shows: 8,16
